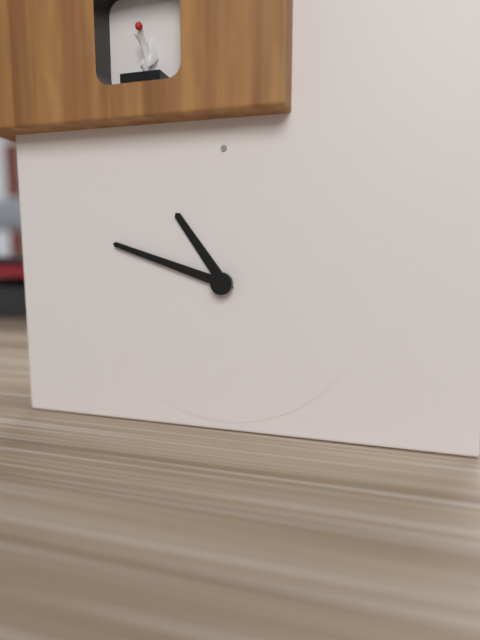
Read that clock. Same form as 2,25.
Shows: 10,48
